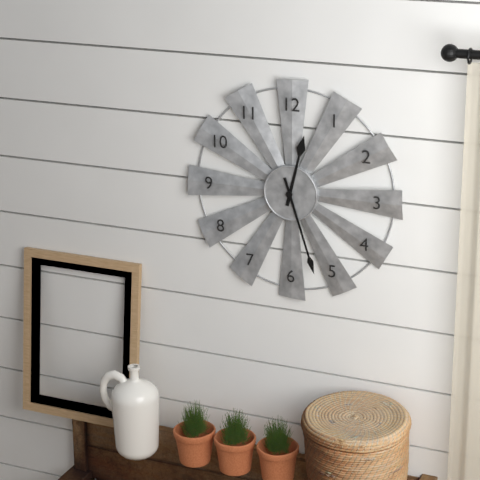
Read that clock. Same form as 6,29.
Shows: 12,27
